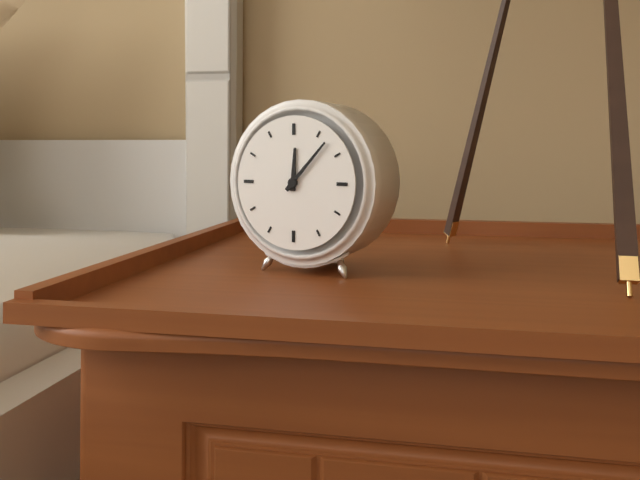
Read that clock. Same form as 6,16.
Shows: 12,07
